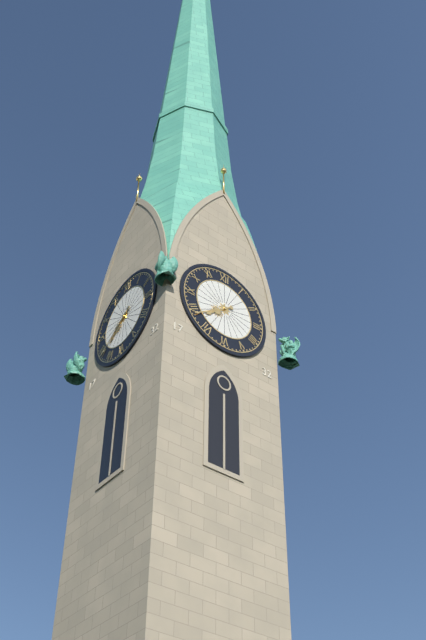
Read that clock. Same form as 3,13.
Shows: 7,39
